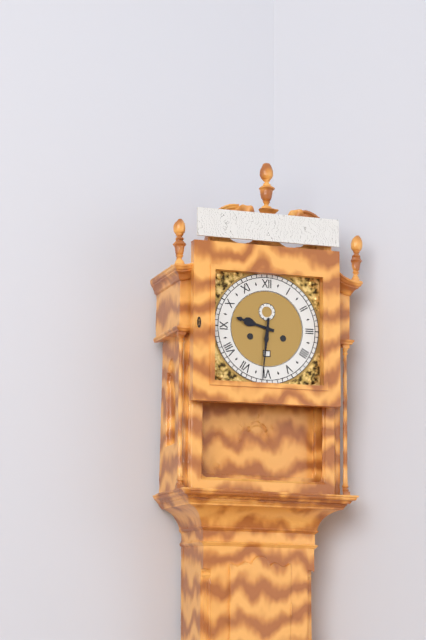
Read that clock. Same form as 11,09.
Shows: 9,31
